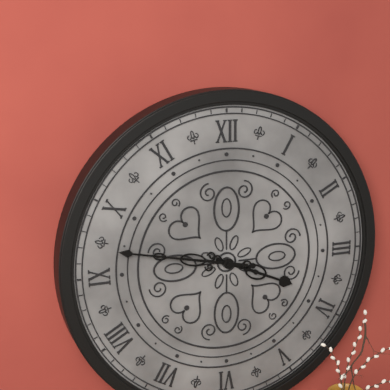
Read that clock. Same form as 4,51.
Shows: 3,47
